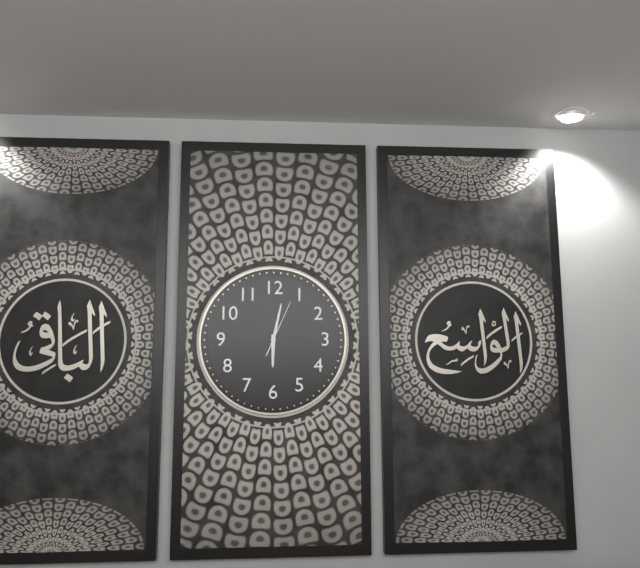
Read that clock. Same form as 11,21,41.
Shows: 6,02,04
